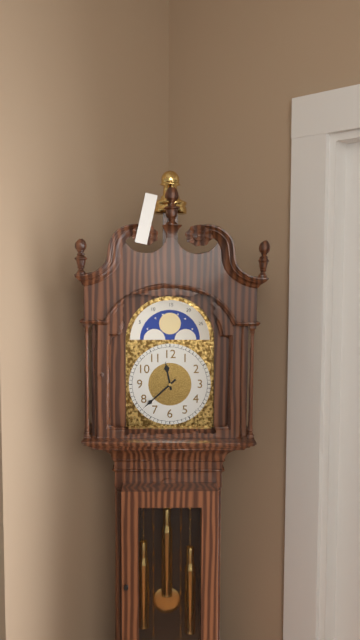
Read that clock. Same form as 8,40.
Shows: 11,38
